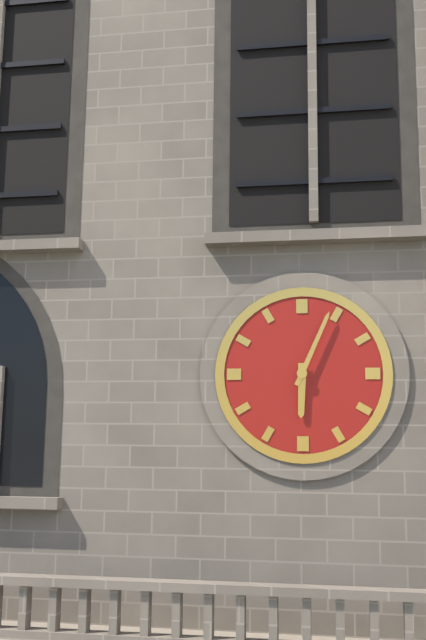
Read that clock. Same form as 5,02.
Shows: 6,04
